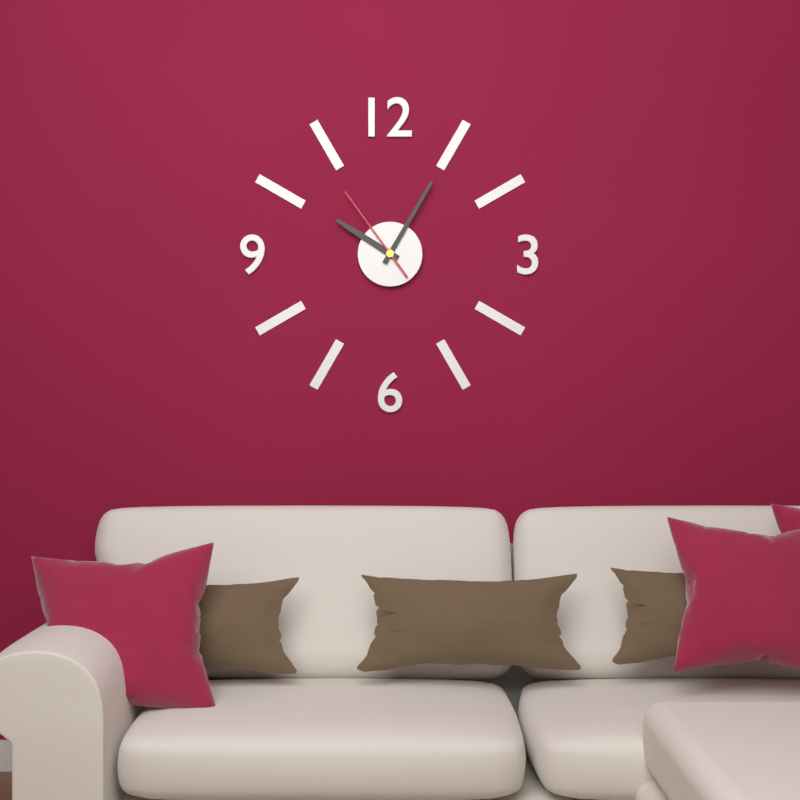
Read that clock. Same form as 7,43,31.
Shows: 10,05,54
